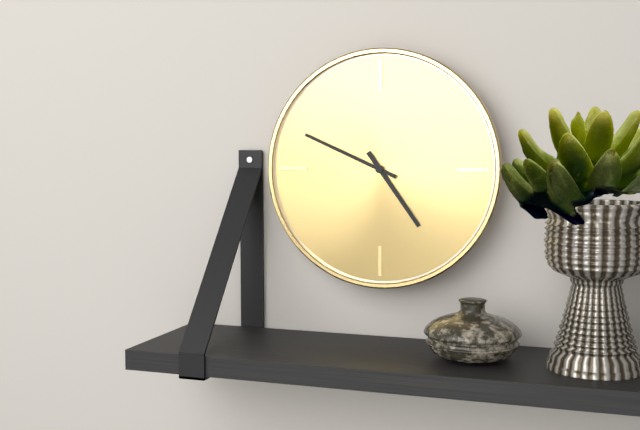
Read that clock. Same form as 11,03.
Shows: 4,49
